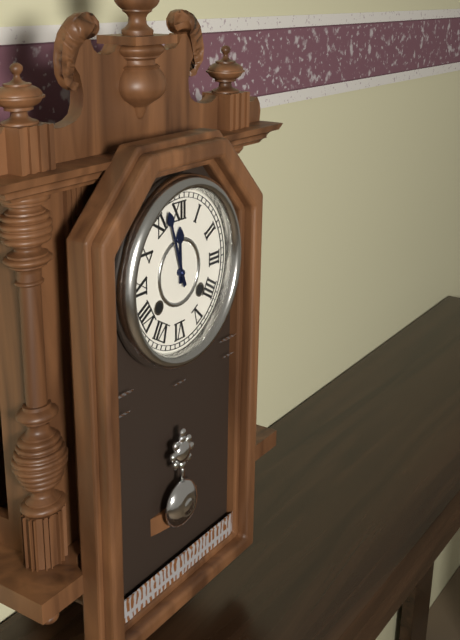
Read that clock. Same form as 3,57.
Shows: 11,57
